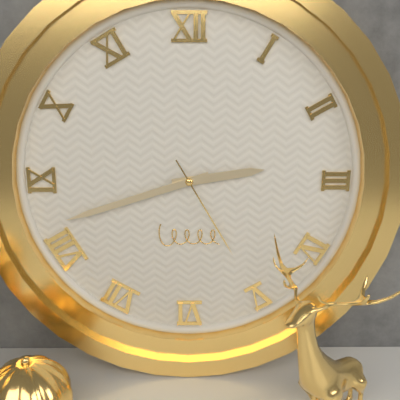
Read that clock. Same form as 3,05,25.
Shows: 2,42,25
